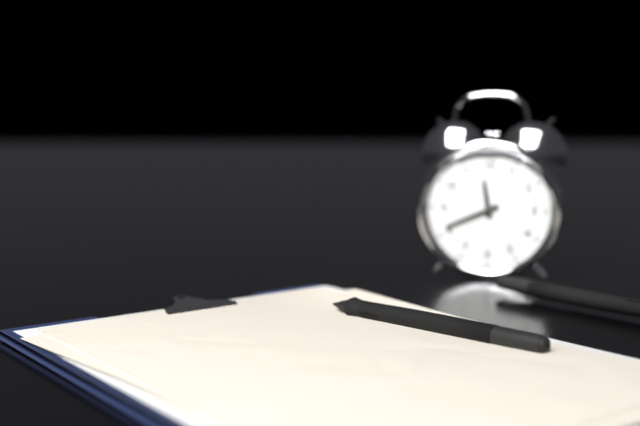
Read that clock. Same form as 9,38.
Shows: 11,41
